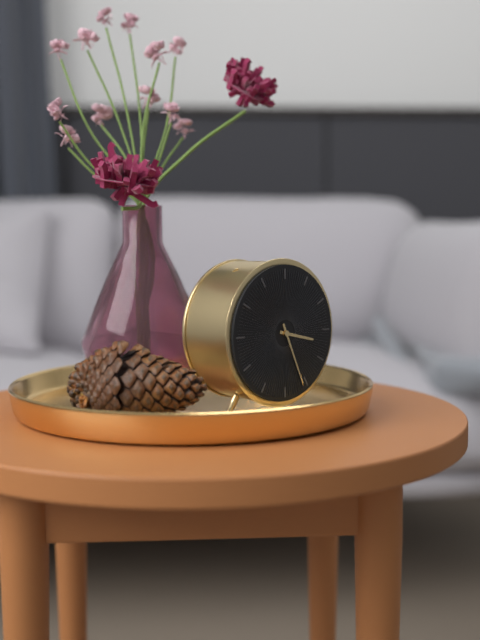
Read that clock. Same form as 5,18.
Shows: 3,26
